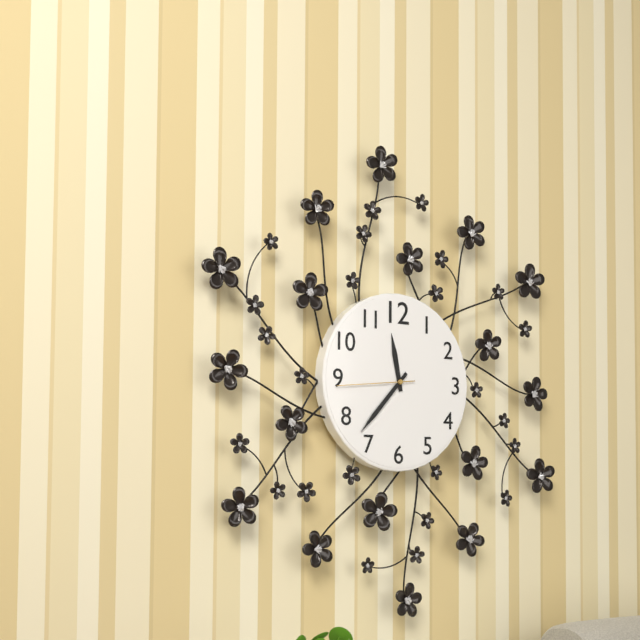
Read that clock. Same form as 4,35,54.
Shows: 11,37,44
